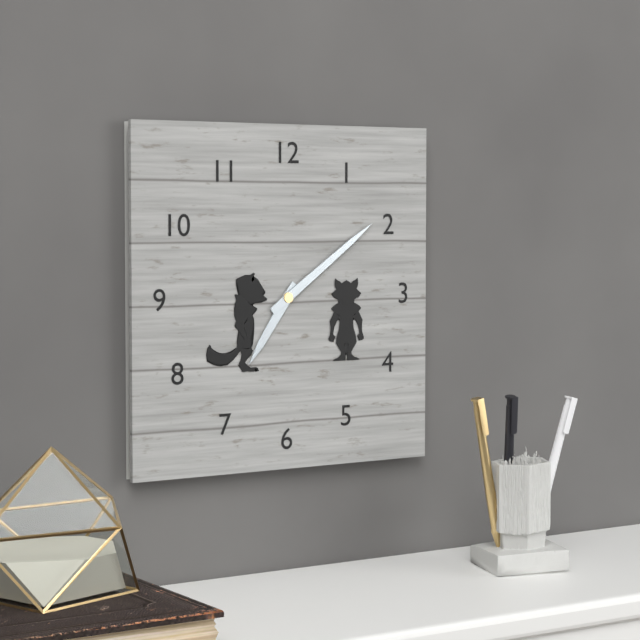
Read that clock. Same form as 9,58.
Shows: 7,09
